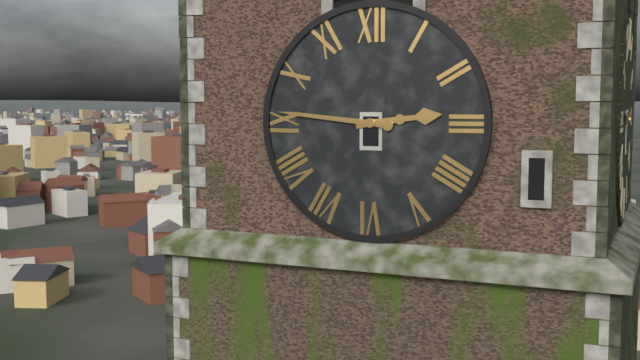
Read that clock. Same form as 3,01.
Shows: 2,46
